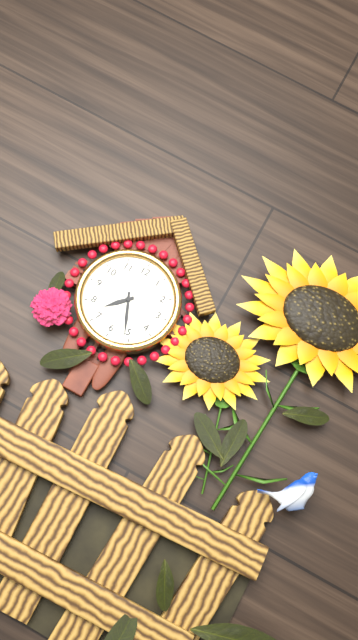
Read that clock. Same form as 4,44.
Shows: 7,26
